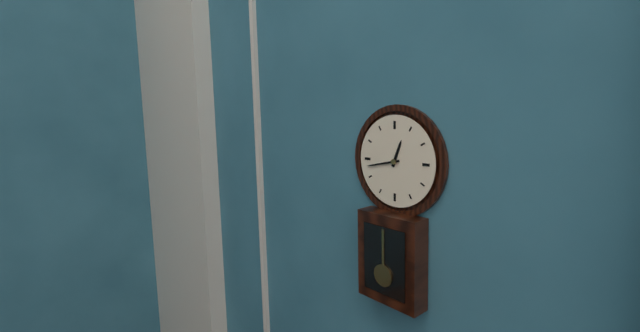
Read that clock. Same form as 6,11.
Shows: 12,43
